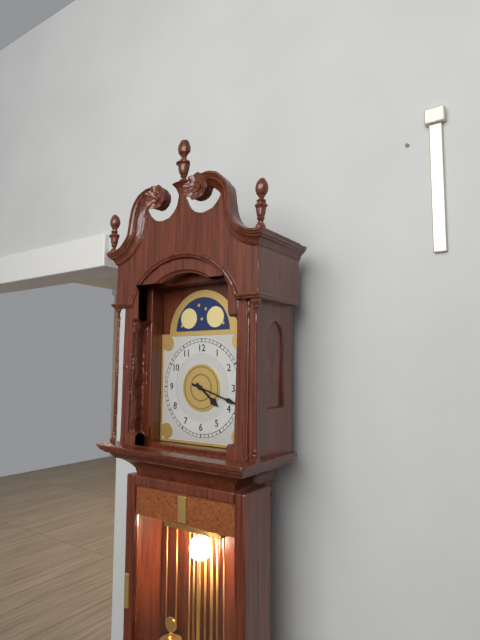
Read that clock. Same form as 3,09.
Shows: 4,18
